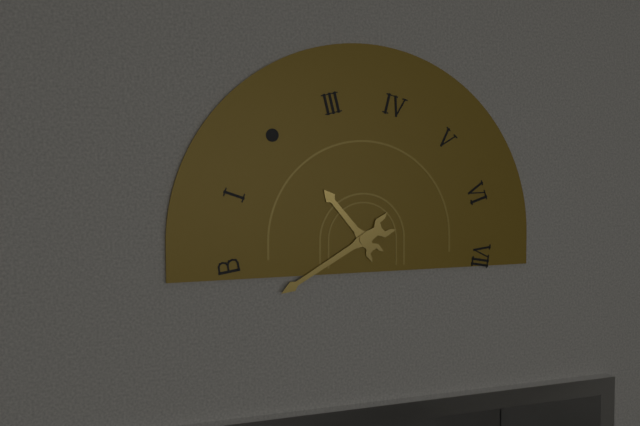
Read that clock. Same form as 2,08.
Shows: 10,40
